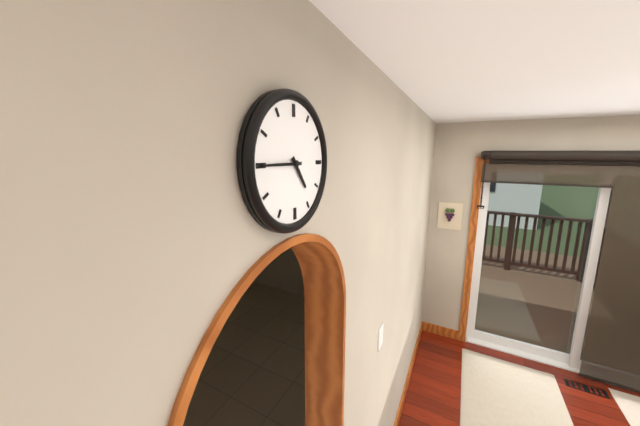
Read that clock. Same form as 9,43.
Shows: 4,45
